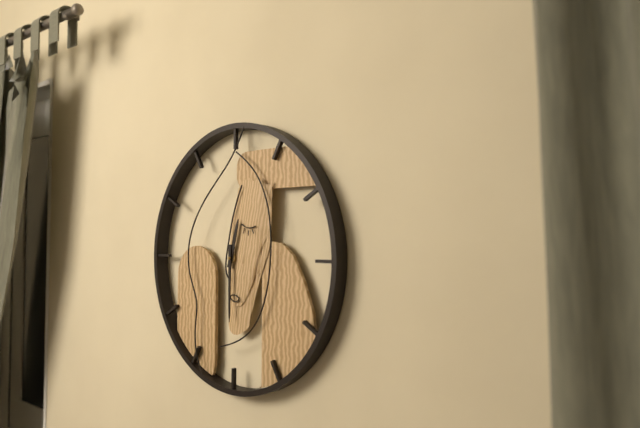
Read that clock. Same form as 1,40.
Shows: 12,30
